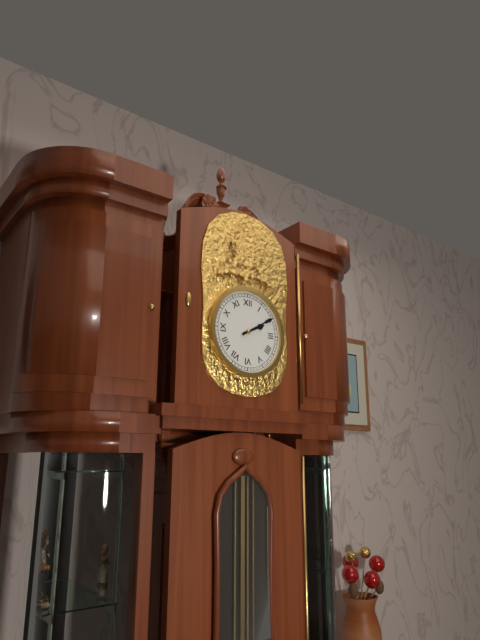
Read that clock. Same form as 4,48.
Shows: 2,10
